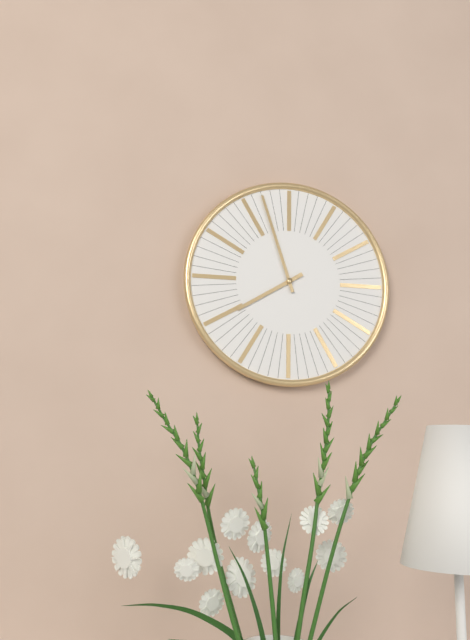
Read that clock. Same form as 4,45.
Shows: 7,57
